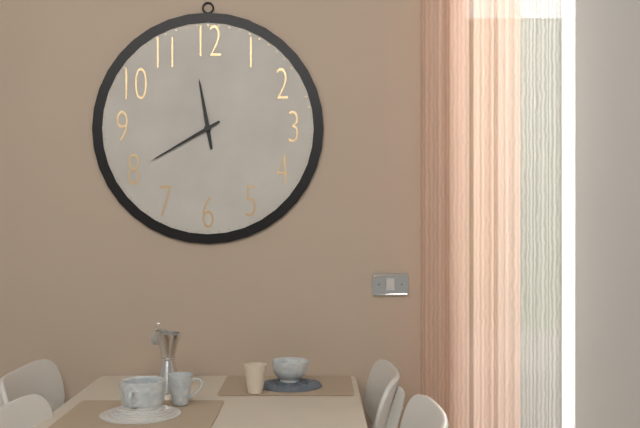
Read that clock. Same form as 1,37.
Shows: 11,40
